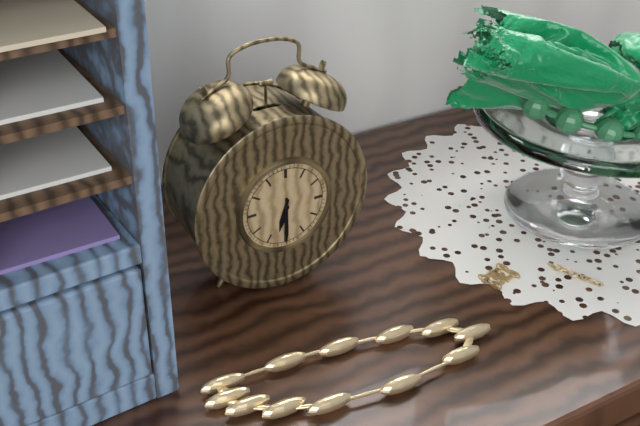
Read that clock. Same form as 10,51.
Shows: 6,30
